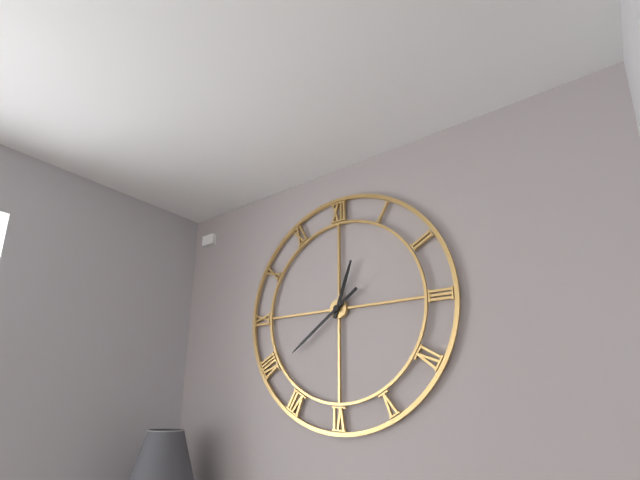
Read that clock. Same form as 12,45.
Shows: 12,39
